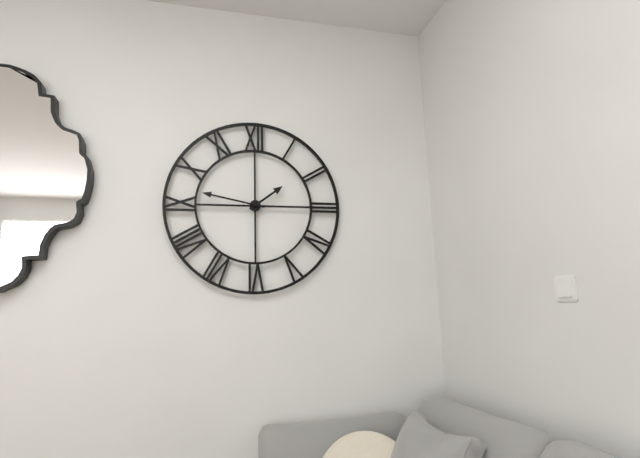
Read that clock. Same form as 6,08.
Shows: 1,47
